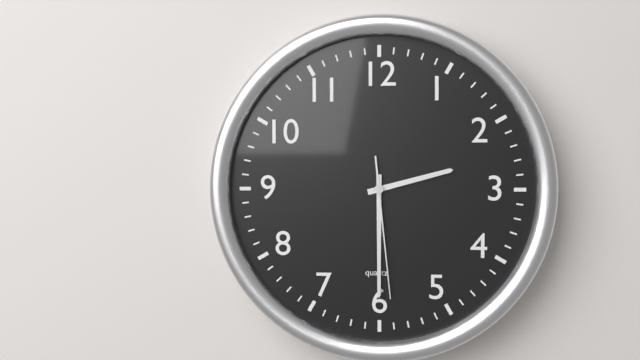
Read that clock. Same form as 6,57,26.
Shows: 2,30,29
